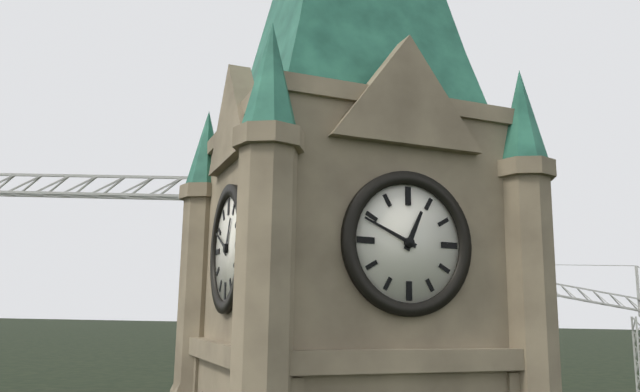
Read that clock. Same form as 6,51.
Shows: 12,49
